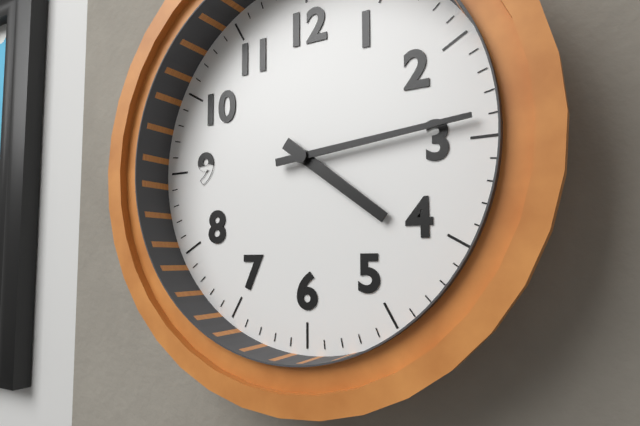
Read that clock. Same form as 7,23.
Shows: 4,14
